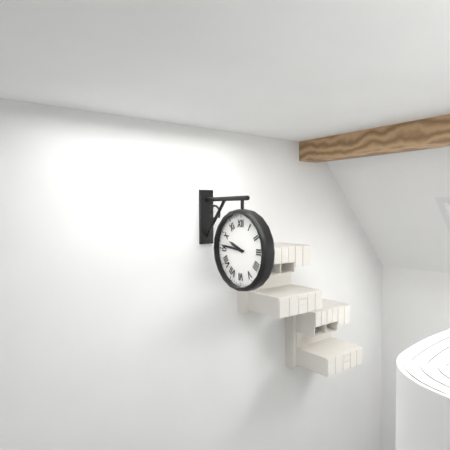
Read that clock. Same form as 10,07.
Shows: 9,46
